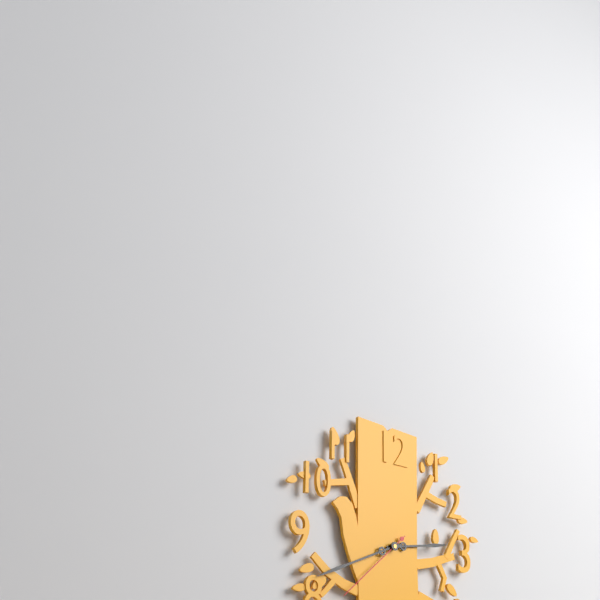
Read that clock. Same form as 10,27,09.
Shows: 2,41,38
